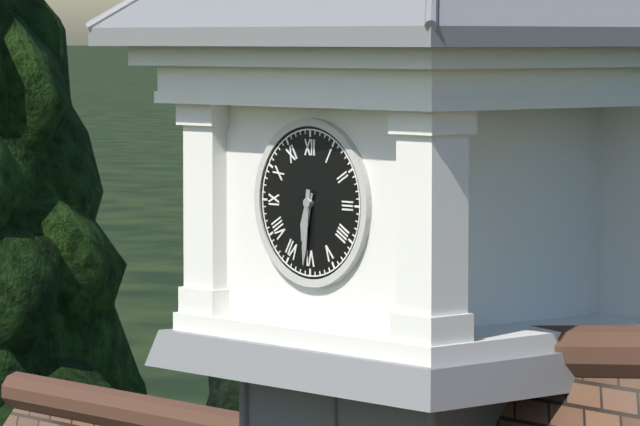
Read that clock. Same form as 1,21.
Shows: 6,31
